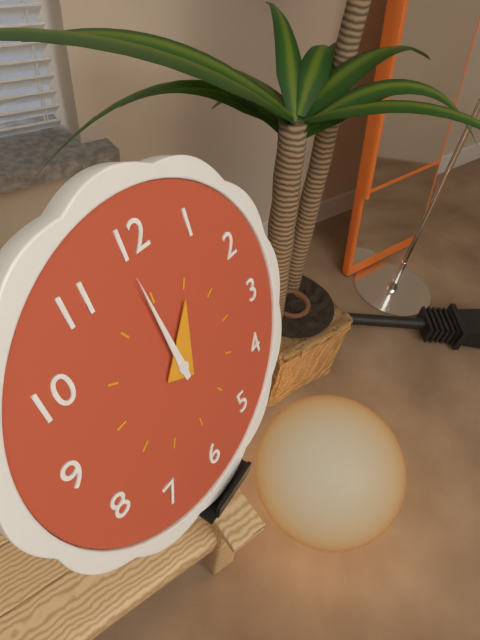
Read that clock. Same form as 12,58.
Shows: 12,59
